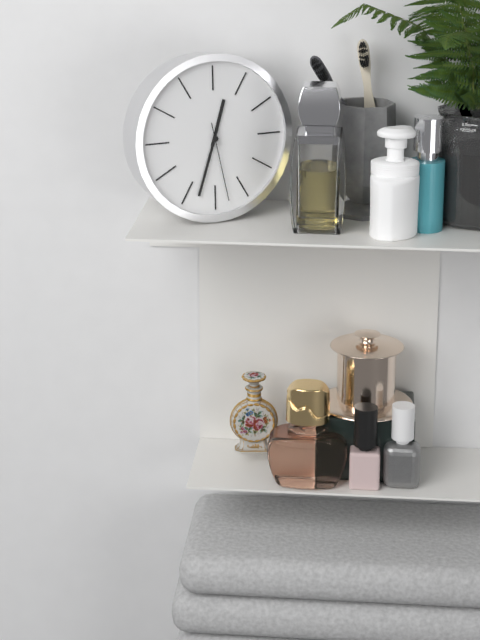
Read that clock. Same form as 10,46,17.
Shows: 12,33,28
